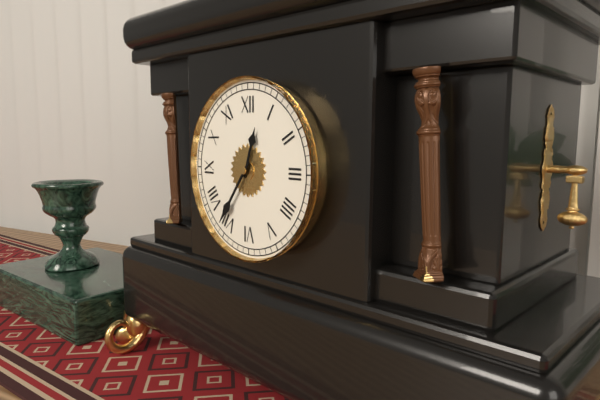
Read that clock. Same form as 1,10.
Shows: 12,36
